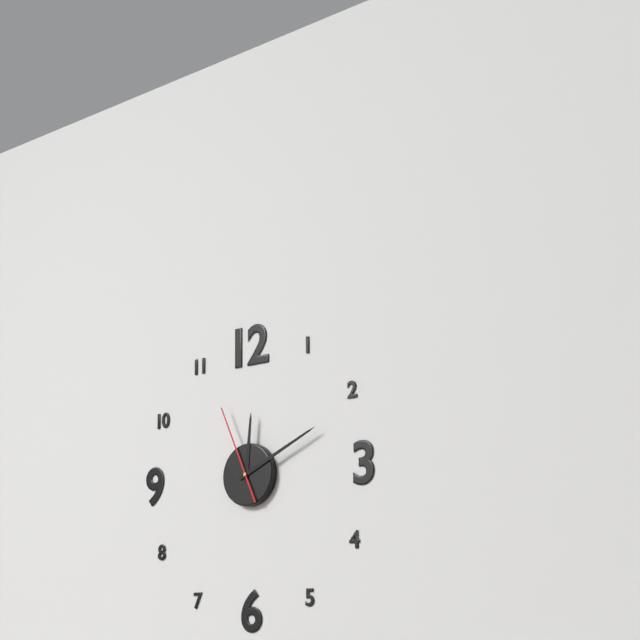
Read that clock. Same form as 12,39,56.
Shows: 12,11,56
